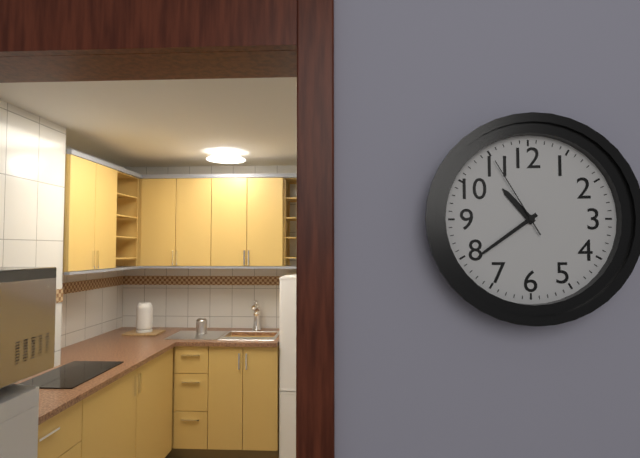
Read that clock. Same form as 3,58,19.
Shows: 10,39,55
